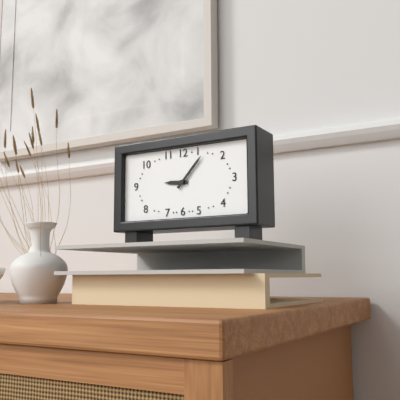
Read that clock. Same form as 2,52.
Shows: 9,07
